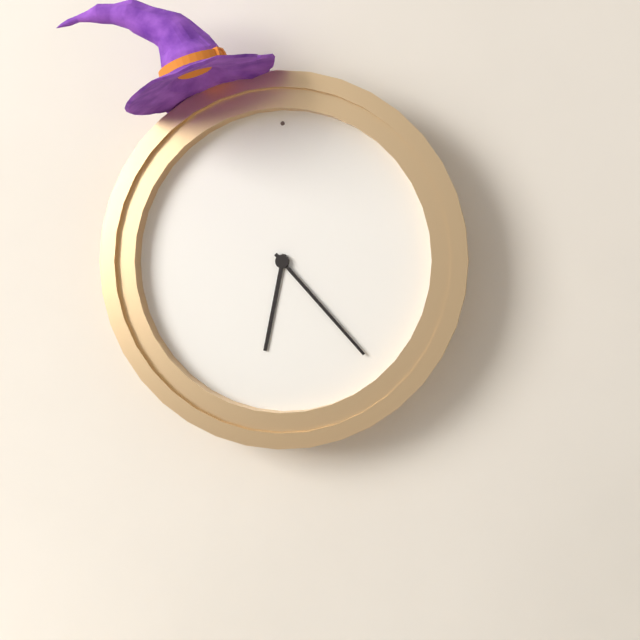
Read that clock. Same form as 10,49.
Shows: 6,23
